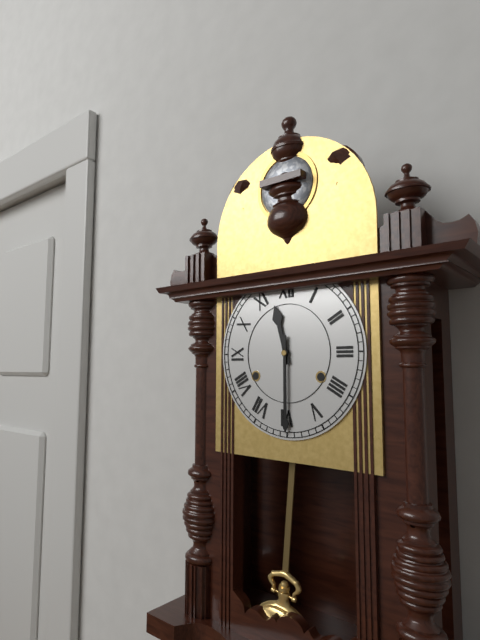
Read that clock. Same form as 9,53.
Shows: 11,30
